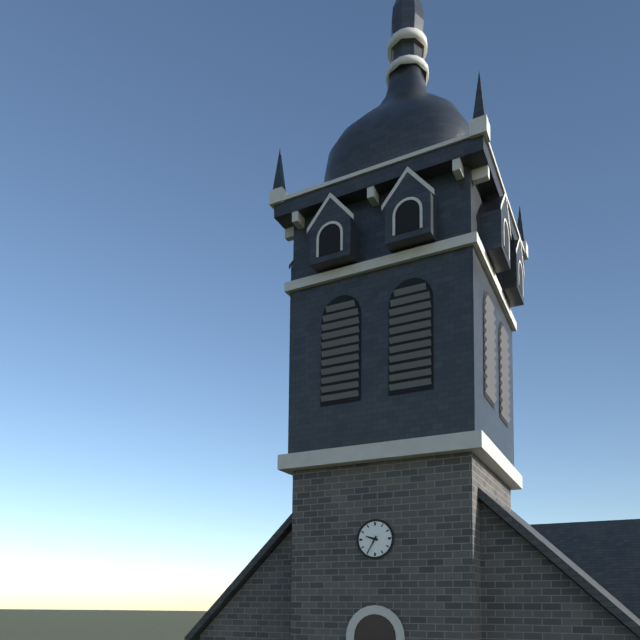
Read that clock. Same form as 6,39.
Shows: 9,35
